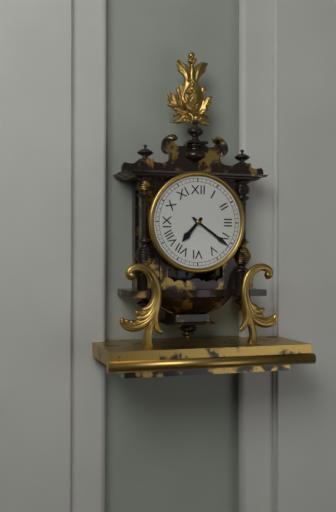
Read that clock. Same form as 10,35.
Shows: 7,21
